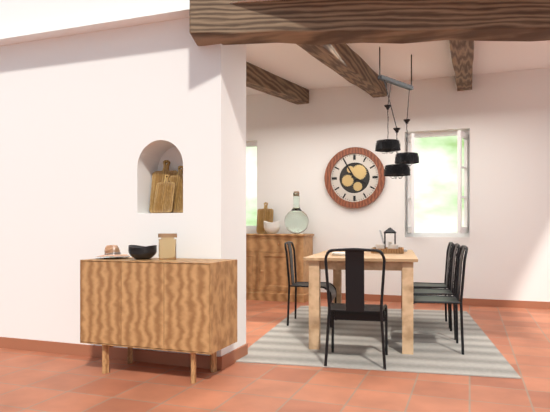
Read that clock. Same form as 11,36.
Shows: 3,55
